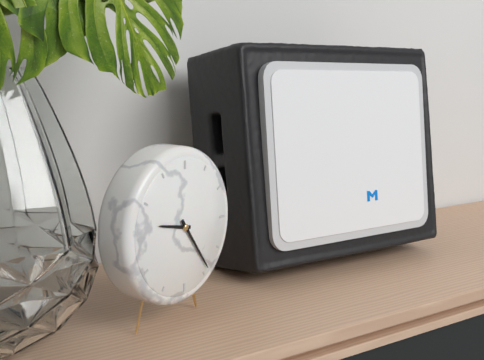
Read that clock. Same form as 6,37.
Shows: 9,24
